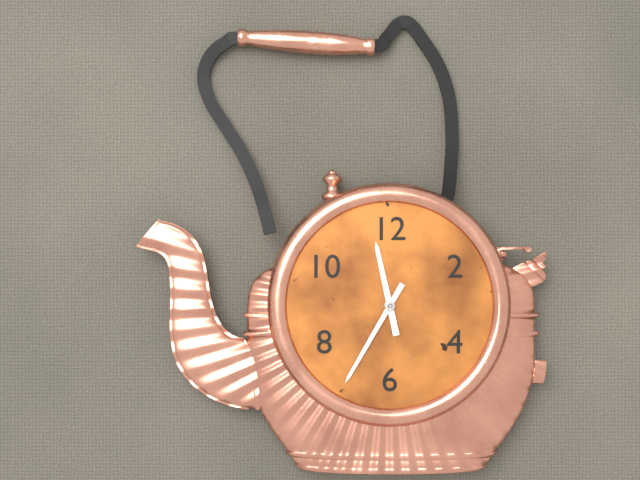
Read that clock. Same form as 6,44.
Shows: 11,35
